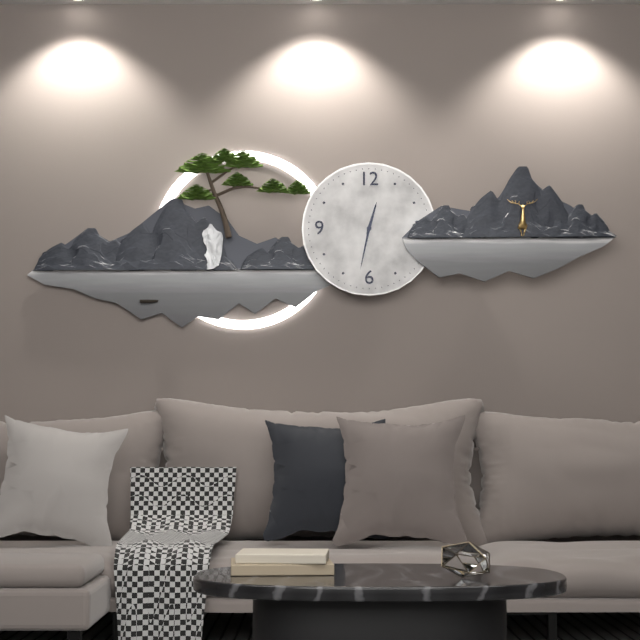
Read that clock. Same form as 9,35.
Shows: 12,32
